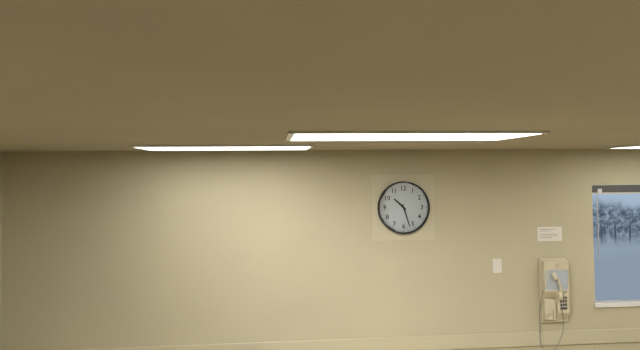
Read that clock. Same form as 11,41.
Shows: 10,27
